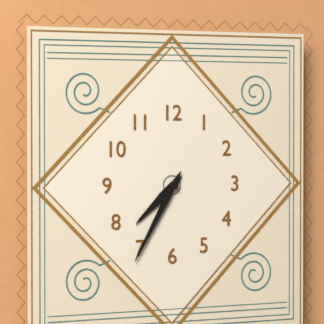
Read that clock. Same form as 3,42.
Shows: 7,35
